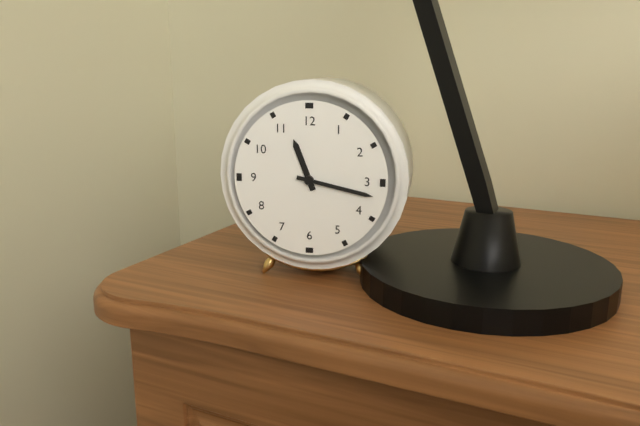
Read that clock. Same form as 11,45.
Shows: 11,17
